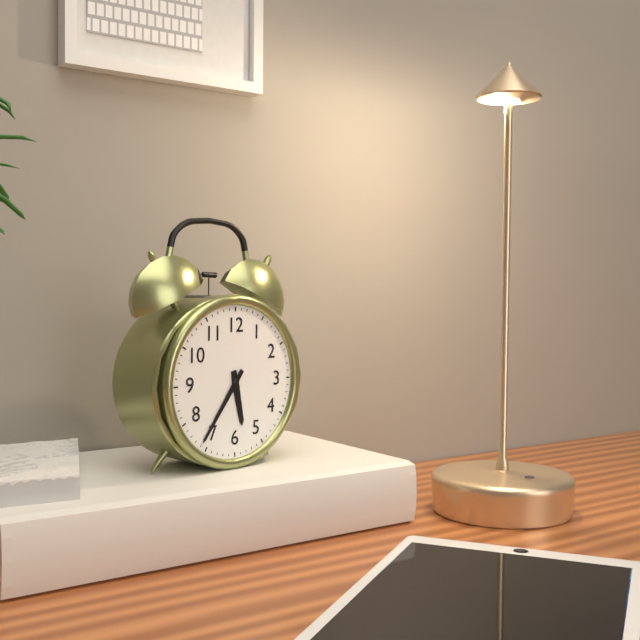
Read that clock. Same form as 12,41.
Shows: 5,36
